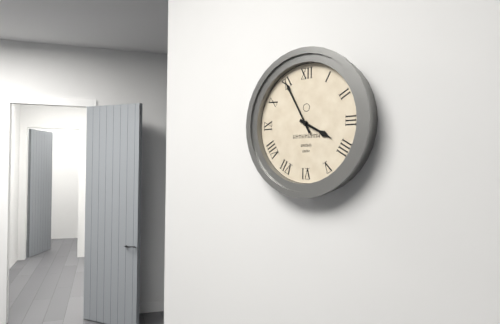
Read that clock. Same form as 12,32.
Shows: 3,55
